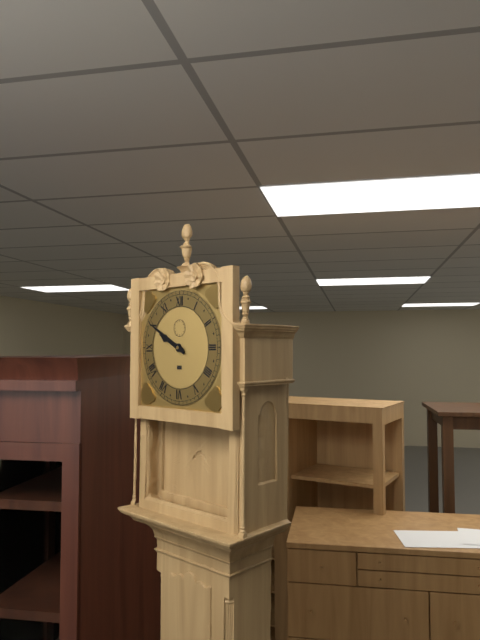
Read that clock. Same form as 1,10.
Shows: 9,50
